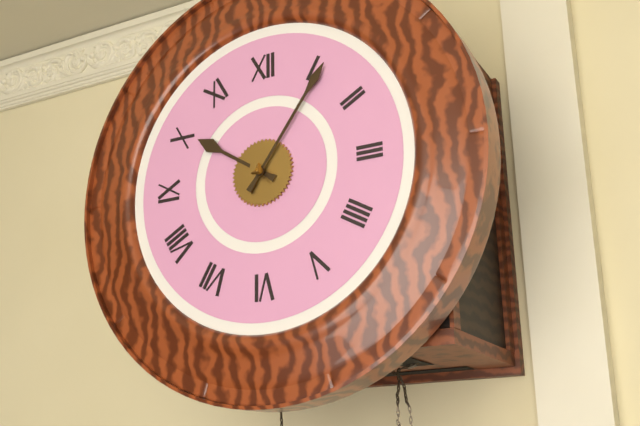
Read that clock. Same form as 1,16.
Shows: 10,06
